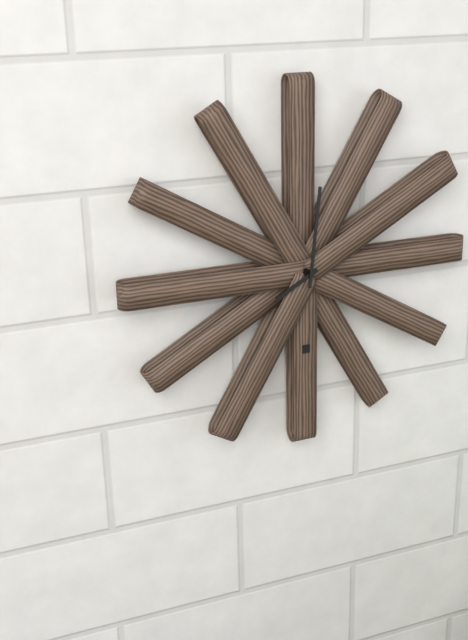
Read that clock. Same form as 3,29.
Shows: 8,01
